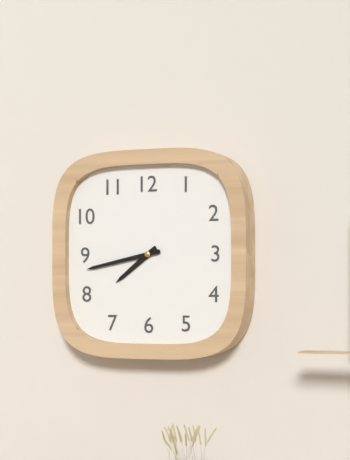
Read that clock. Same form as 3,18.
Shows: 7,43
